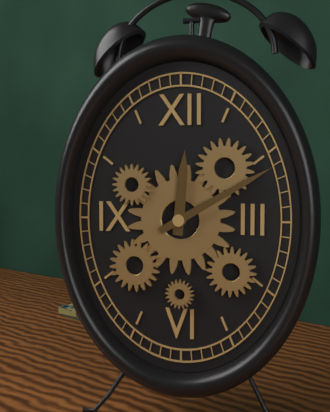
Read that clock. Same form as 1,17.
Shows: 12,10
